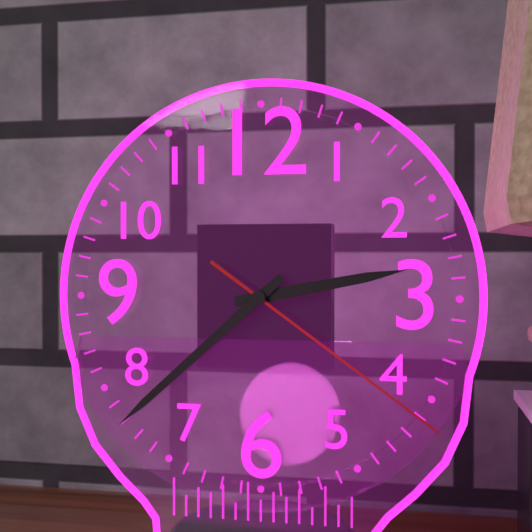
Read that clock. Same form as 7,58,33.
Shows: 2,38,21
